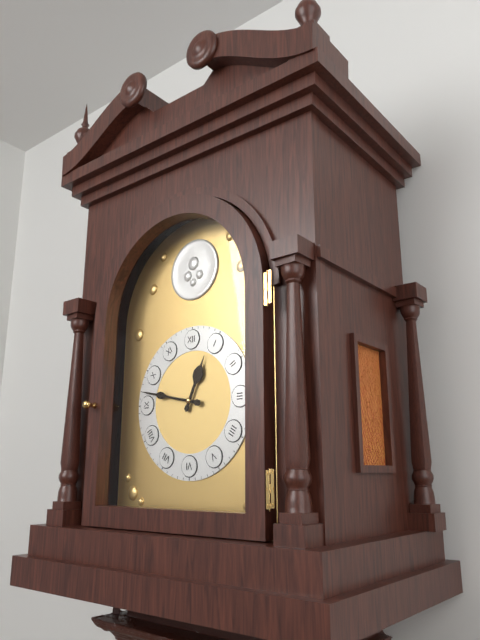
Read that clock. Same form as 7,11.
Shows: 12,47
